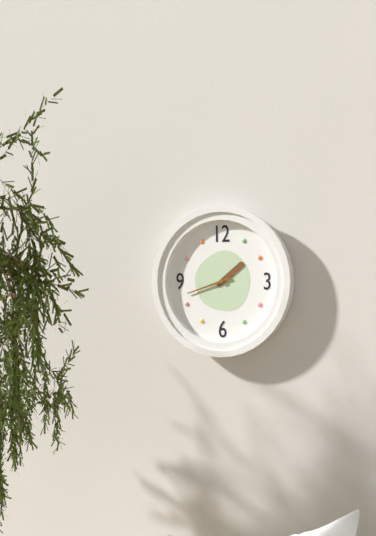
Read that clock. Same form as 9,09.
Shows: 1,42
